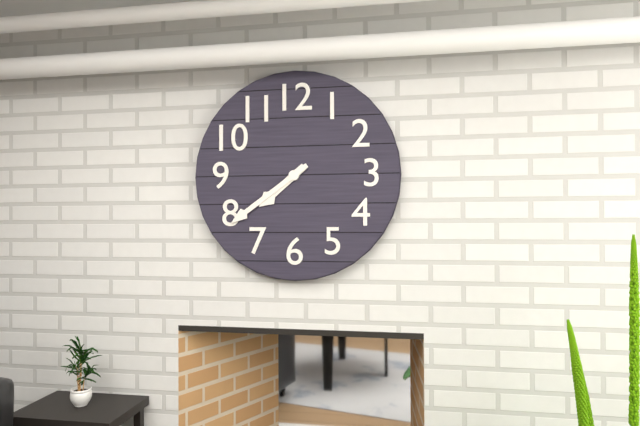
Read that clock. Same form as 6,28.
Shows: 7,39
